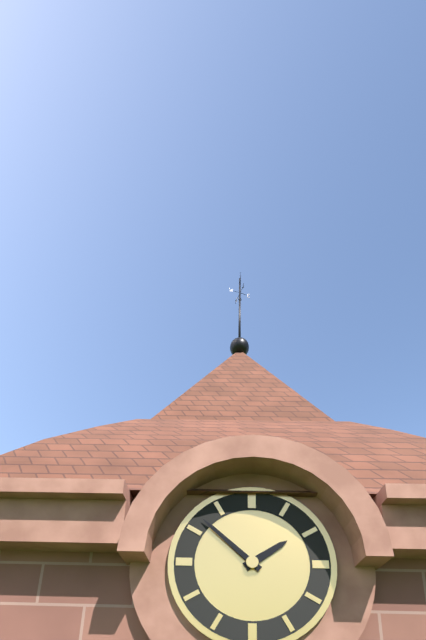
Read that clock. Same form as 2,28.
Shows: 1,52
